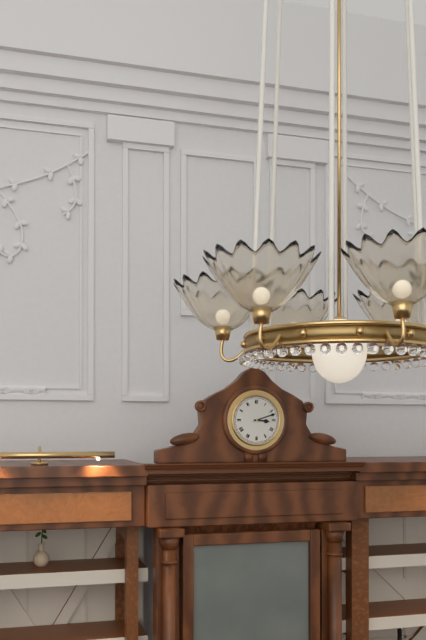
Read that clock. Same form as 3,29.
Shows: 3,12
